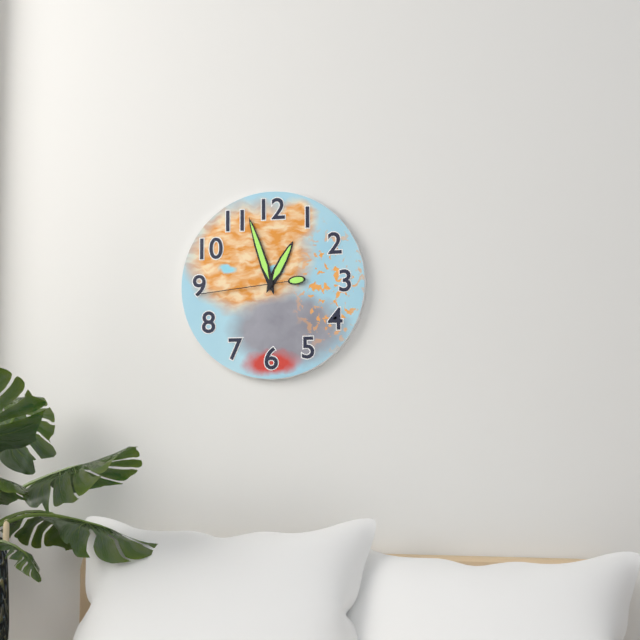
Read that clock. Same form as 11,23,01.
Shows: 12,57,44
